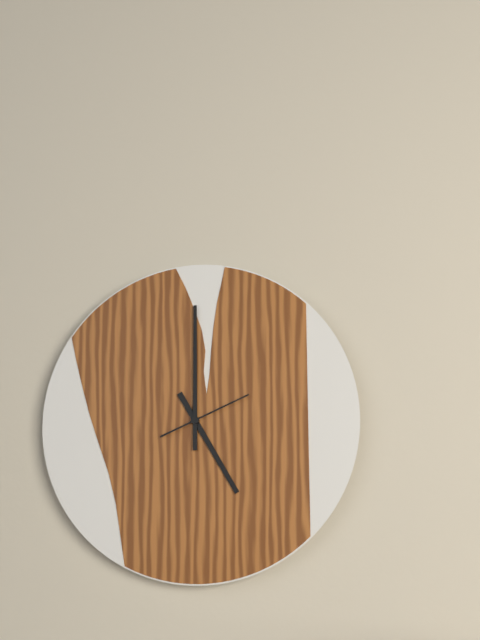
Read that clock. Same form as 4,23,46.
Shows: 5,00,11
